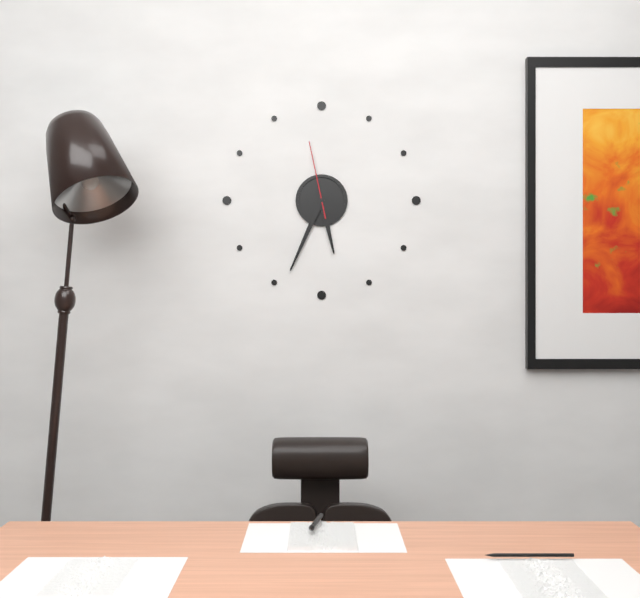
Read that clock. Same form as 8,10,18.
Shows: 5,34,58
